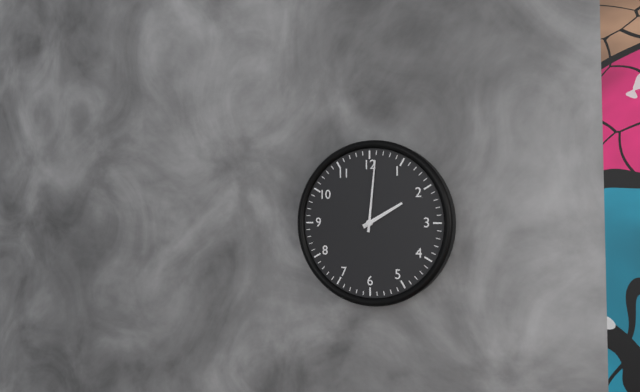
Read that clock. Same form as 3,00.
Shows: 2,01
